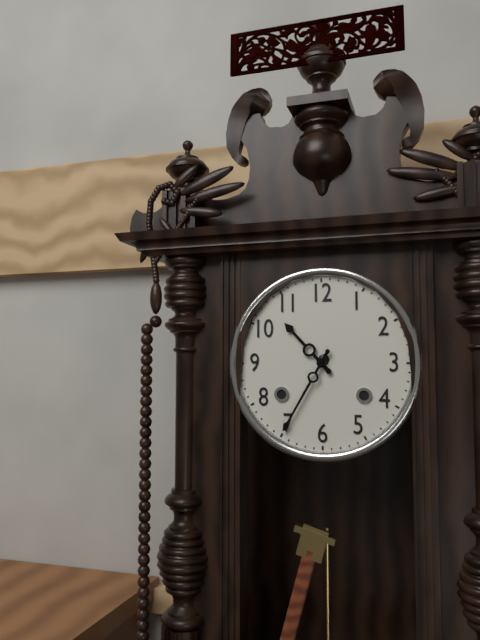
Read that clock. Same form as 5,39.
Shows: 10,35
